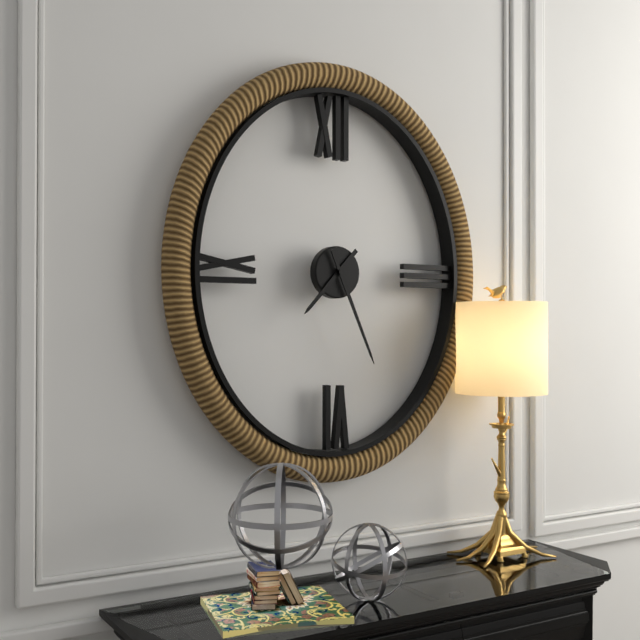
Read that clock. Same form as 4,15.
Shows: 7,26
